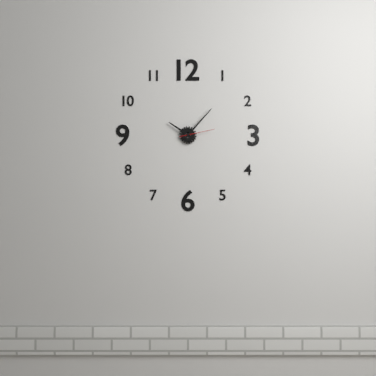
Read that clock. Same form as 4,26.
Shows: 10,07
